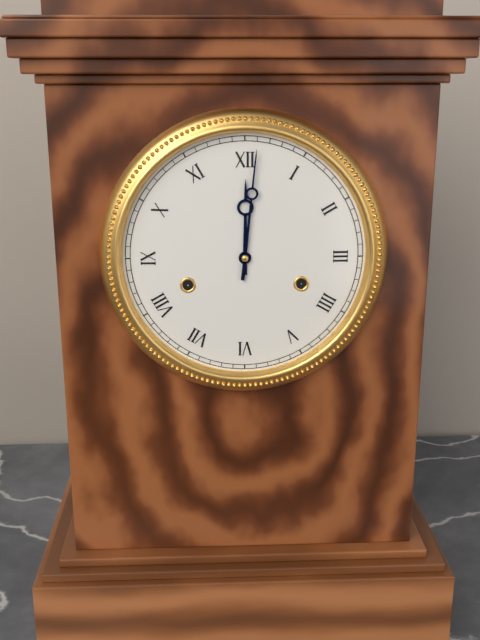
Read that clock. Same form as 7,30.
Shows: 12,01
